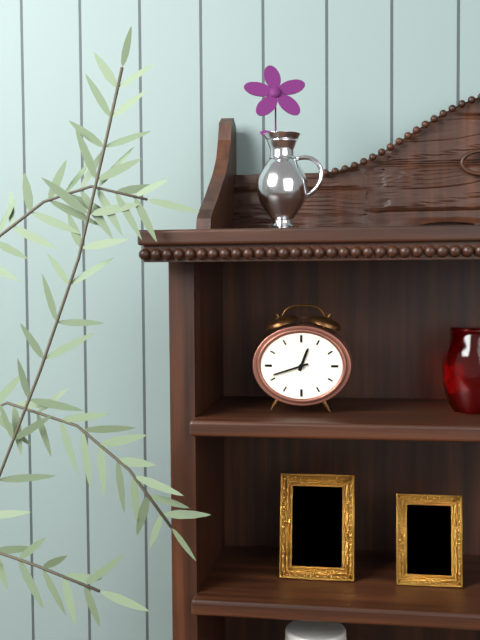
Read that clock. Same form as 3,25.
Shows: 12,42
